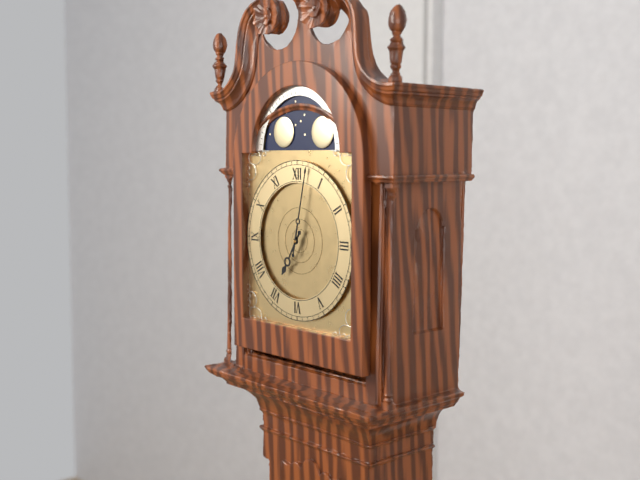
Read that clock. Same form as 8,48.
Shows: 7,02
